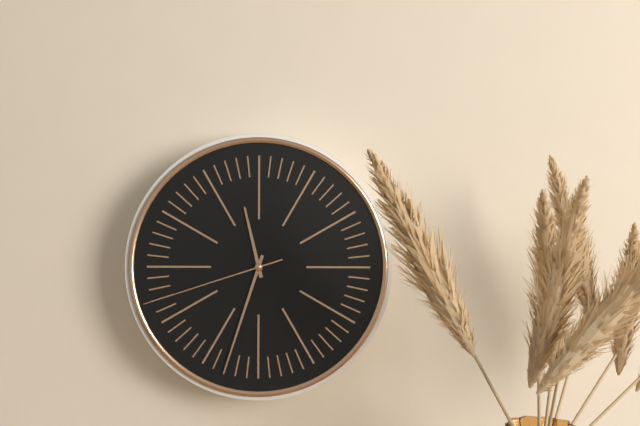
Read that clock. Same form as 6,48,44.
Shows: 11,33,42
